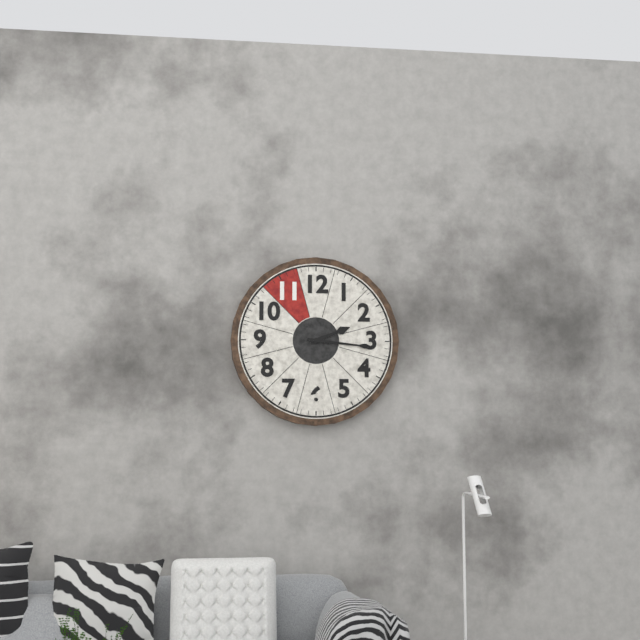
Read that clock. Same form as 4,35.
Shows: 2,16
